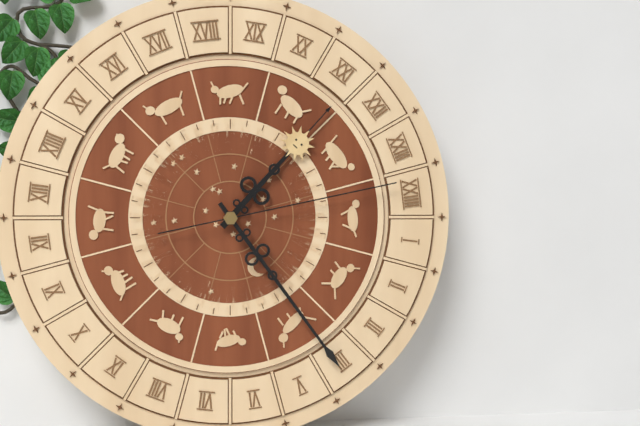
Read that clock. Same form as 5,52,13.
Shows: 1,24,13
